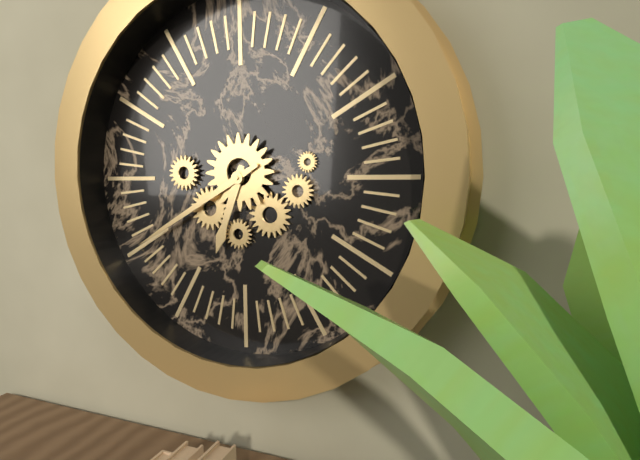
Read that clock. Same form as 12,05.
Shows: 6,40
